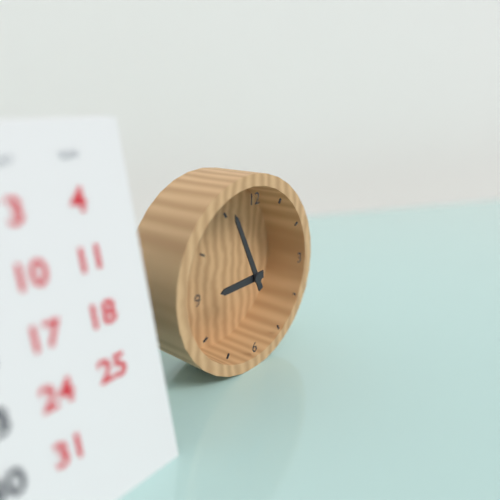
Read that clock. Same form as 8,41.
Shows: 8,56
